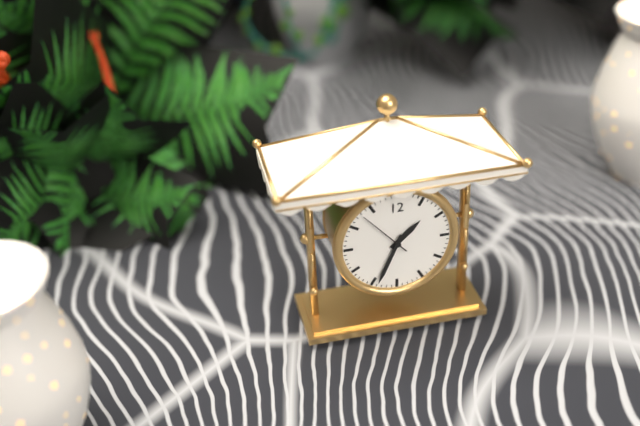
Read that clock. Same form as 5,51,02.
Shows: 1,34,53
